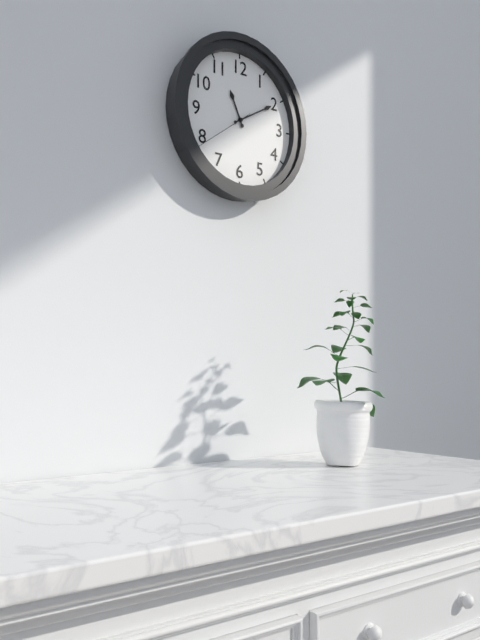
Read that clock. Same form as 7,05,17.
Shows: 11,10,39
